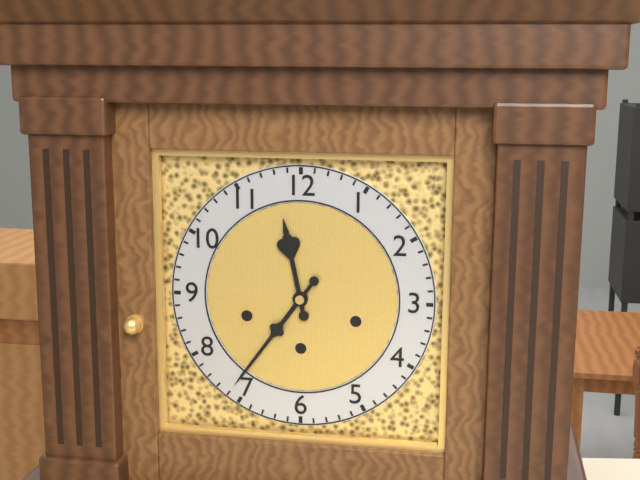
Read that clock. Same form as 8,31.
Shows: 11,36
